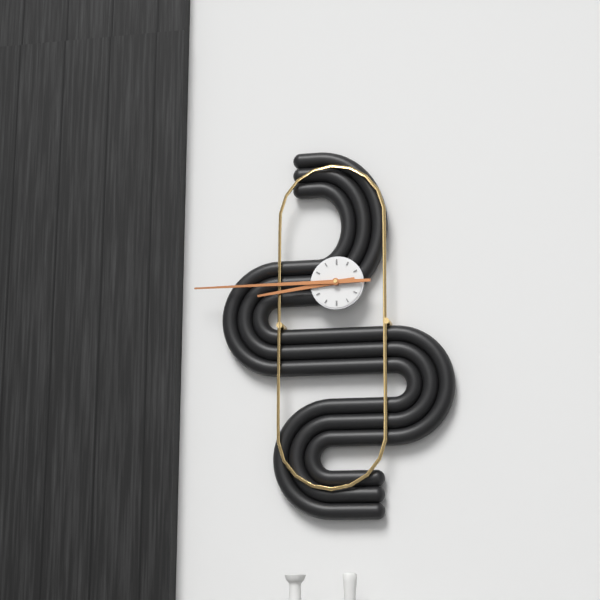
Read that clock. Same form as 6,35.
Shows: 8,45
